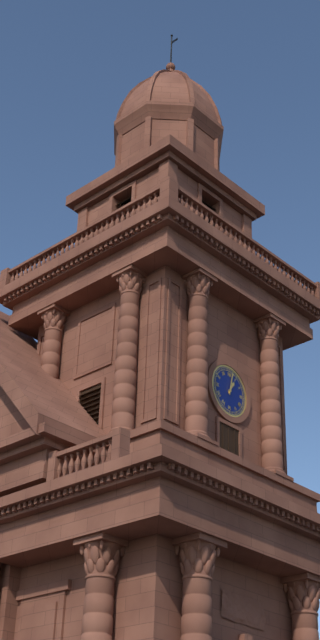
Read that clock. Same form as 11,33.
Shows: 1,02
